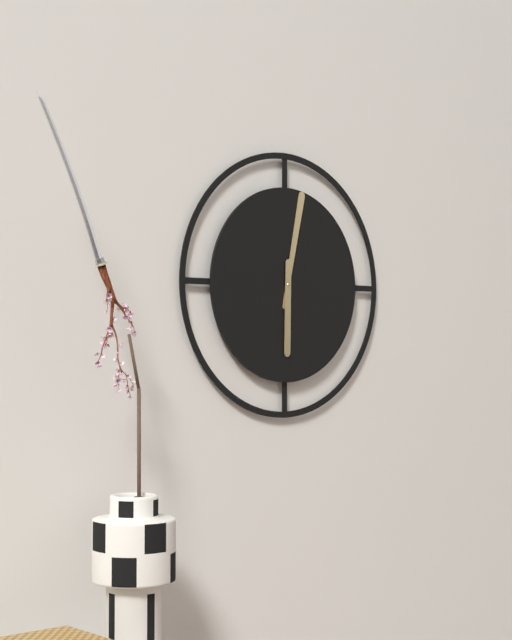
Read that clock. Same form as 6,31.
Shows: 6,02
